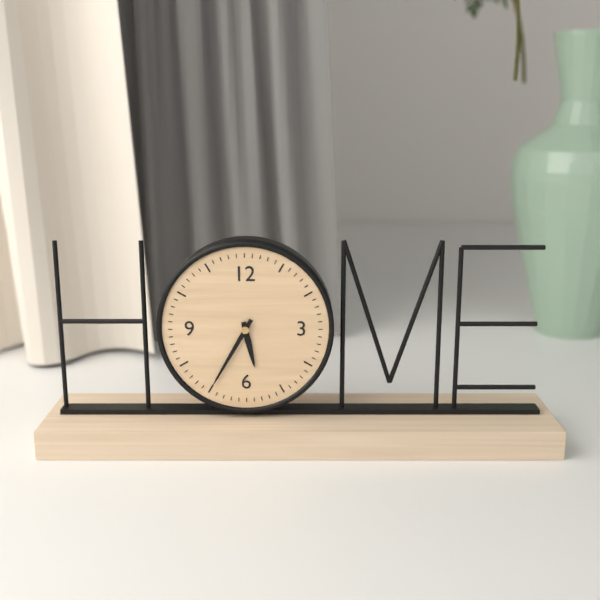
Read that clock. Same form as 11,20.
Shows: 5,35
